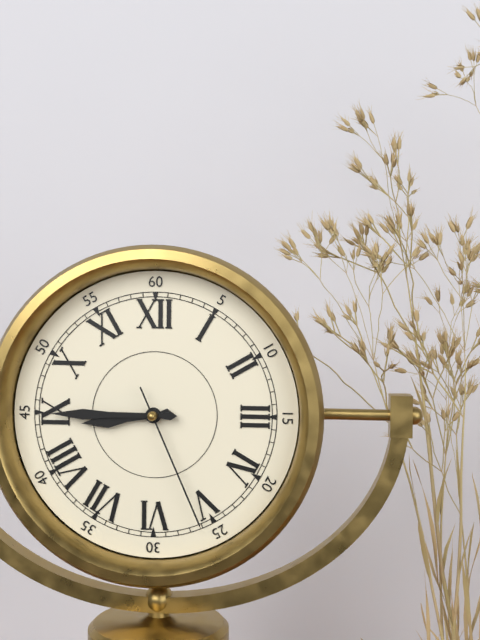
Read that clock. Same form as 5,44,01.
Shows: 8,45,26
